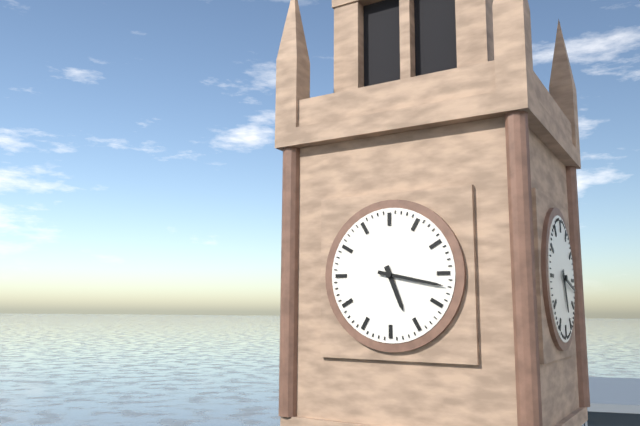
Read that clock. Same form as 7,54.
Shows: 5,17
